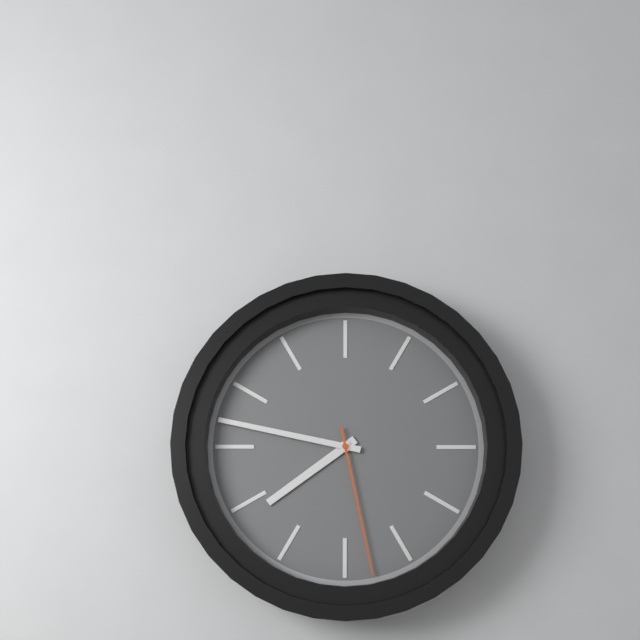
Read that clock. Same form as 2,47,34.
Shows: 7,47,28
